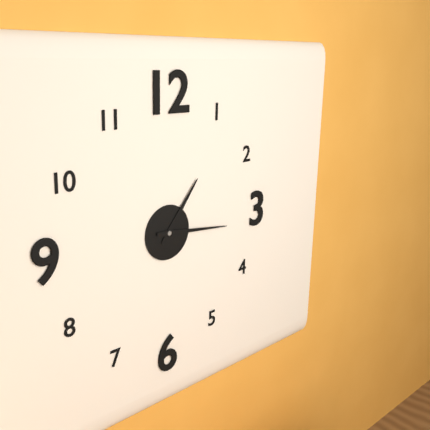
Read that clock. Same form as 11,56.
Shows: 1,16
